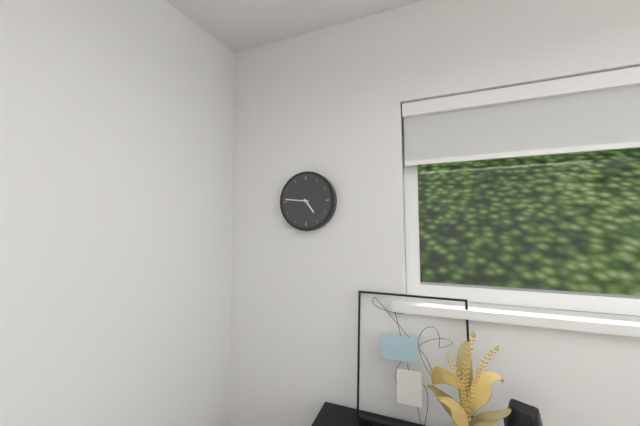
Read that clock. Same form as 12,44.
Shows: 4,46
